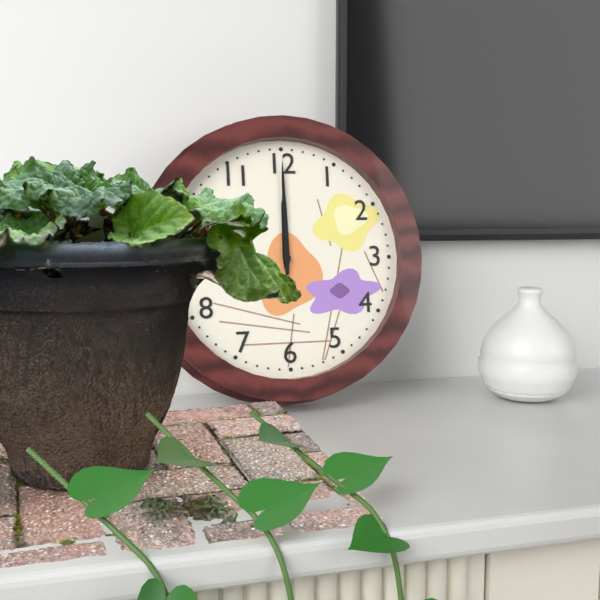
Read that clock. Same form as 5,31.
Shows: 12,00
